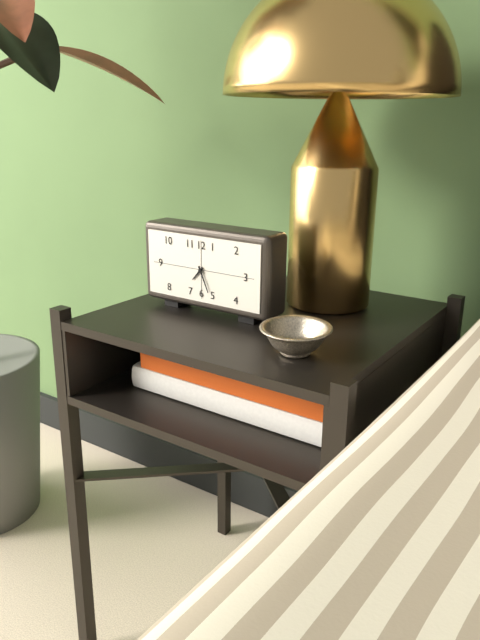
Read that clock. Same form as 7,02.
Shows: 7,26
